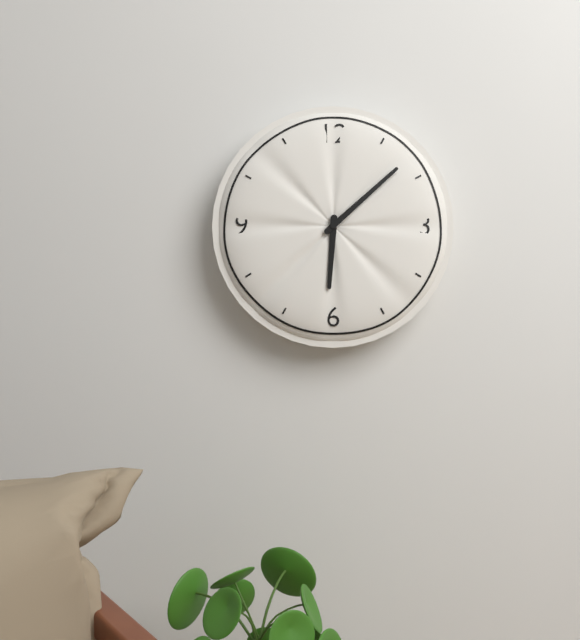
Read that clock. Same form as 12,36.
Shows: 6,08
